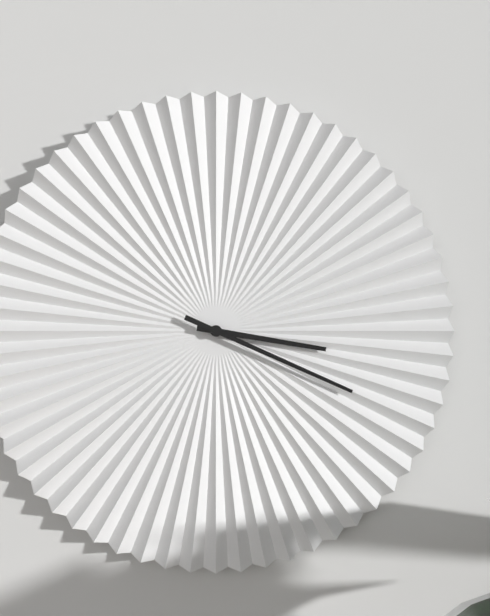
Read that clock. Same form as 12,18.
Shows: 3,19
